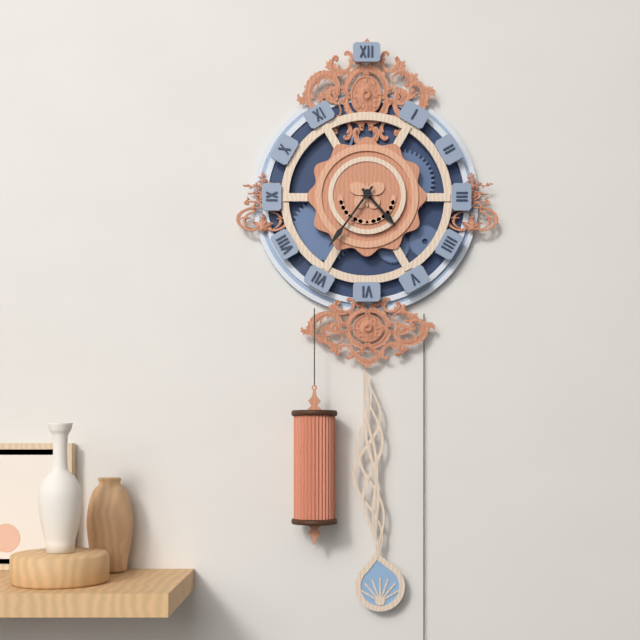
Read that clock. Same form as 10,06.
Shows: 4,36
